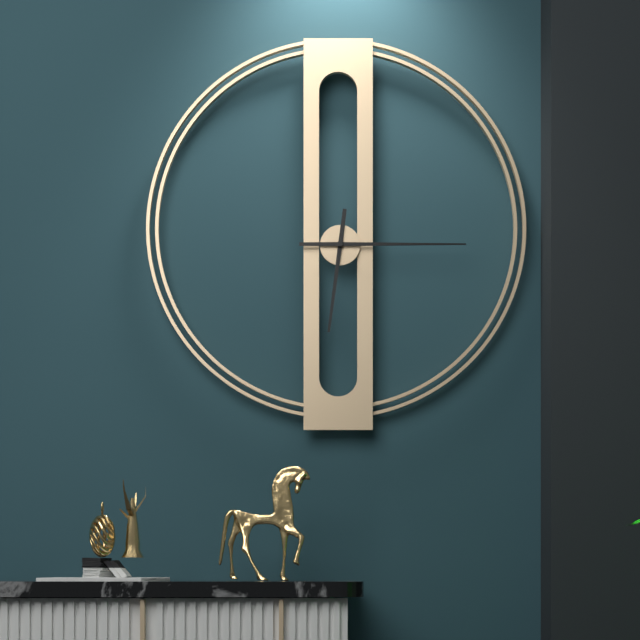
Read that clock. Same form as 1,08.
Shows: 6,15
